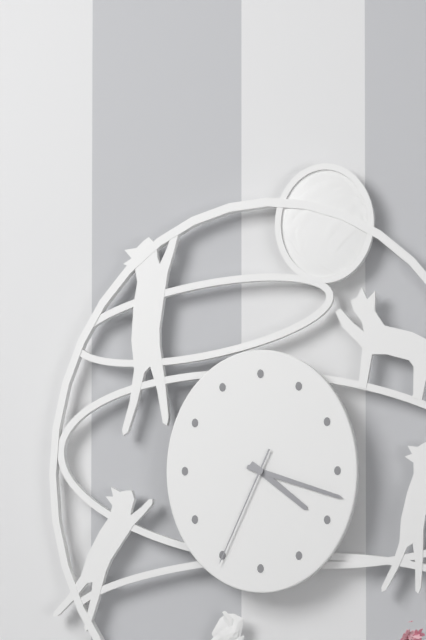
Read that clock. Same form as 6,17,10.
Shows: 4,18,34
